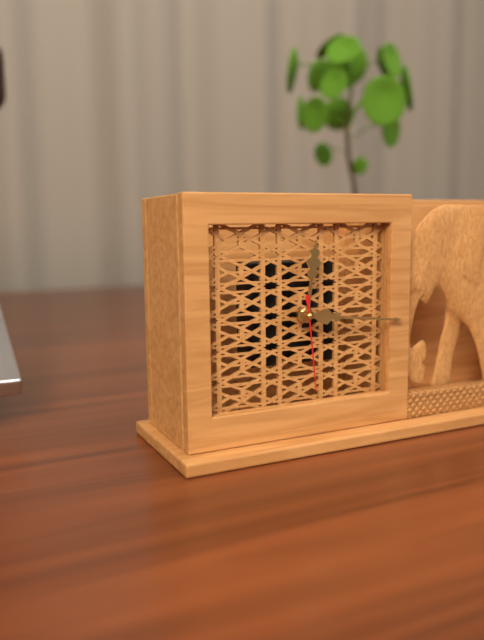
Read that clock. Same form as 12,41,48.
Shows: 12,16,29
